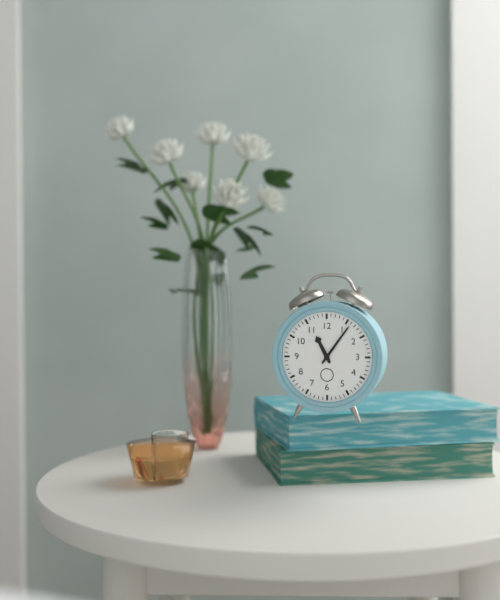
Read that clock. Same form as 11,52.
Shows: 11,06
